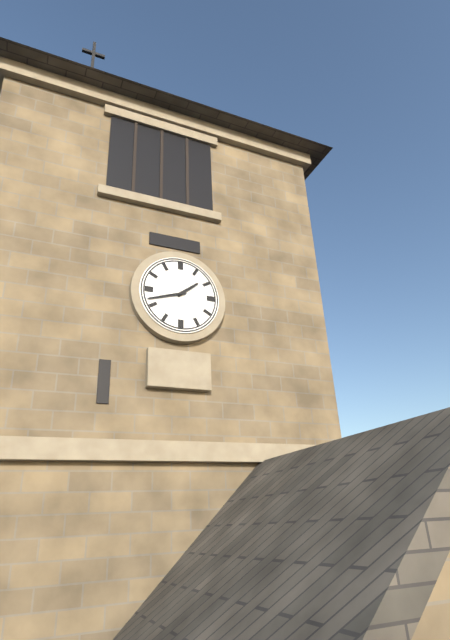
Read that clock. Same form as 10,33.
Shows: 1,42
